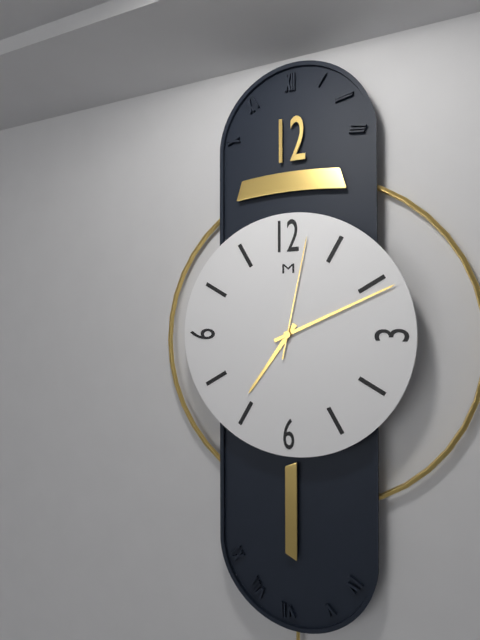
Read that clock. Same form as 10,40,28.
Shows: 7,11,02
